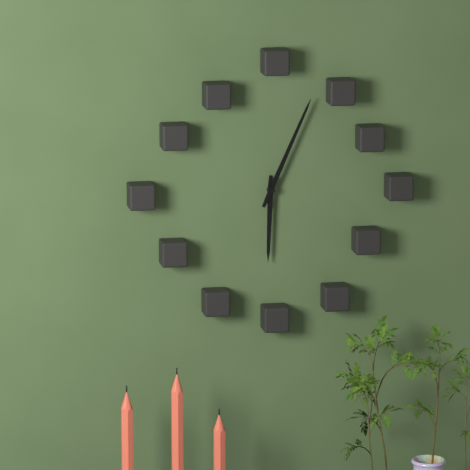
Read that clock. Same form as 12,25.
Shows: 6,04
